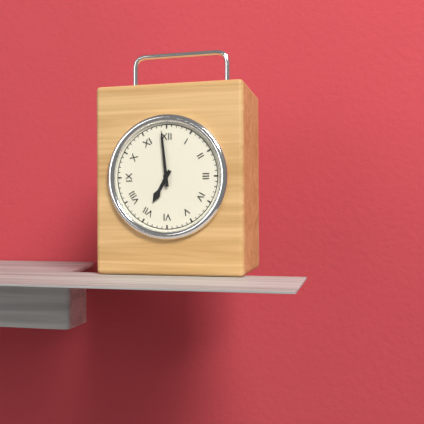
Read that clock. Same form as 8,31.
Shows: 6,59
